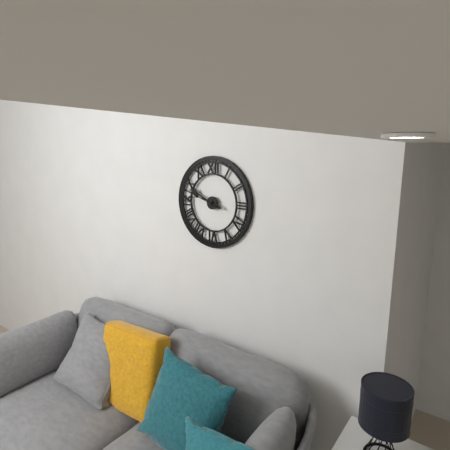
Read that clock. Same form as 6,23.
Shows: 9,48
